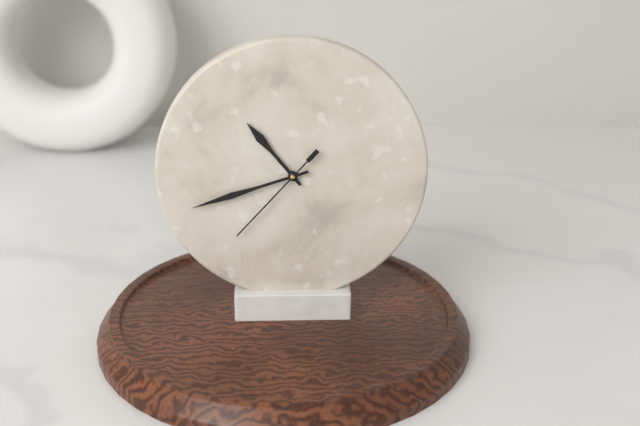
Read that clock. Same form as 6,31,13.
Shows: 10,42,37
